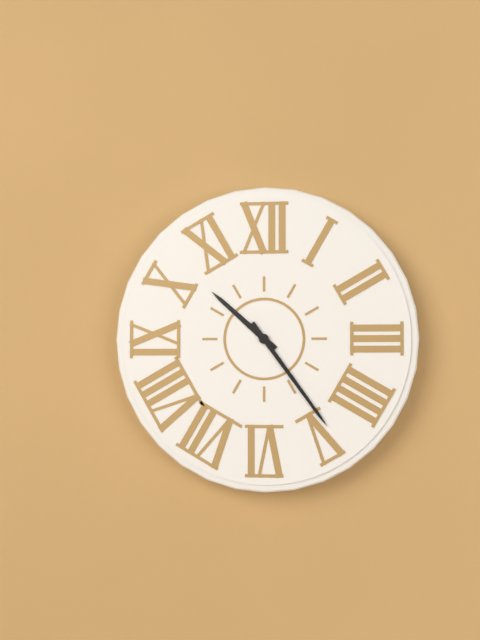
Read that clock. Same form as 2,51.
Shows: 10,24
